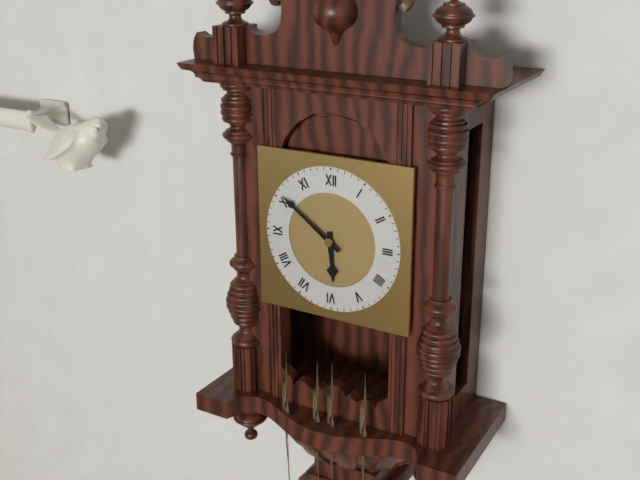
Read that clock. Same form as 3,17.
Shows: 5,51
